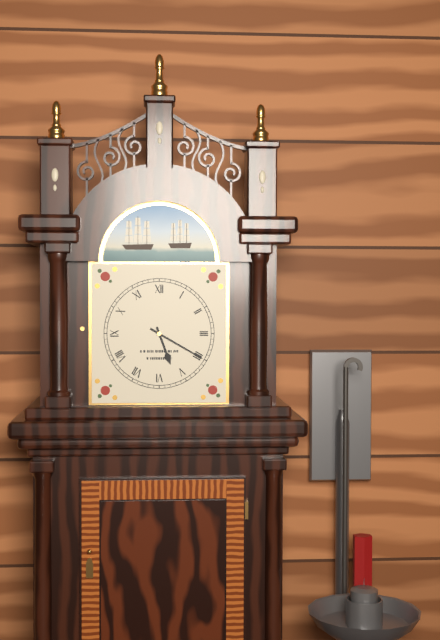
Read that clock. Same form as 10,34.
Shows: 5,20
